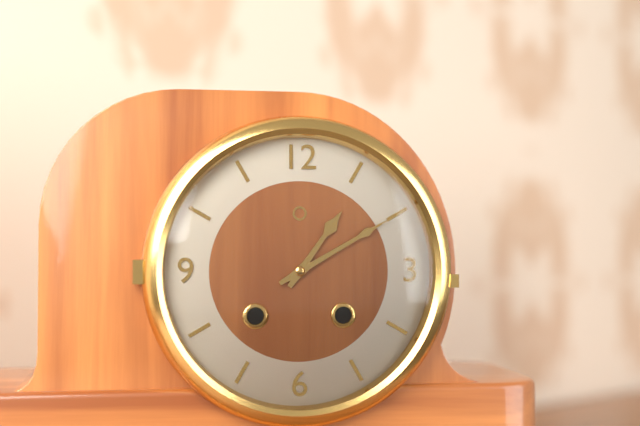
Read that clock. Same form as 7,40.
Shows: 1,10
